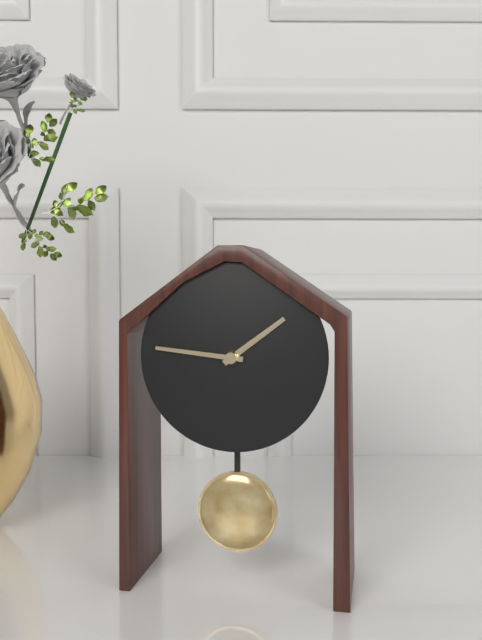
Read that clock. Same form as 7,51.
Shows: 1,46
